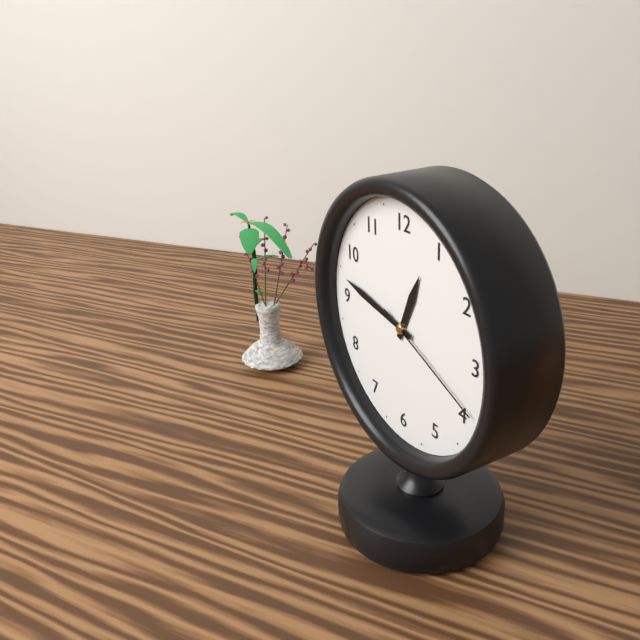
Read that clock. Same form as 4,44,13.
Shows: 12,47,19
